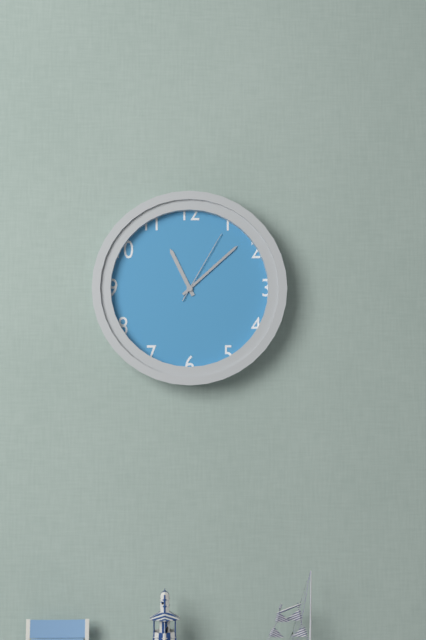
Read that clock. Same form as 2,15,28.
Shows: 11,08,05
